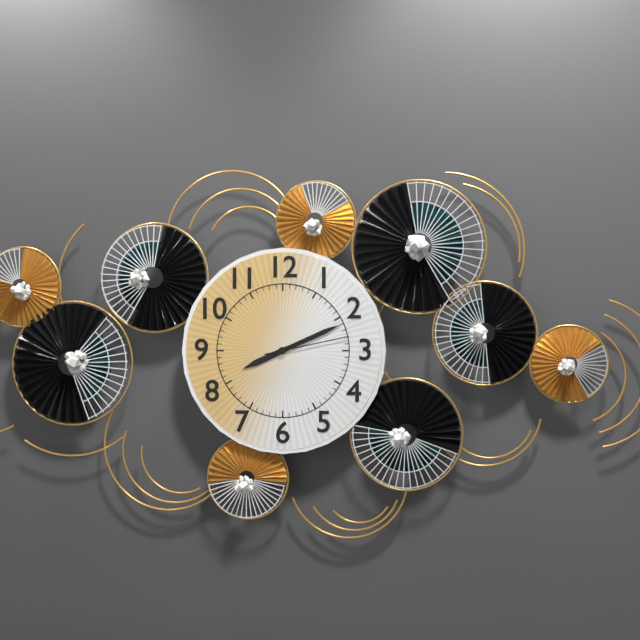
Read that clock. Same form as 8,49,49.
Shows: 8,11,13
